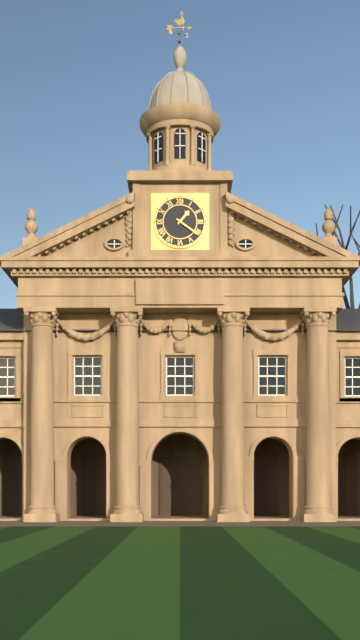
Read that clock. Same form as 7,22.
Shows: 1,21
